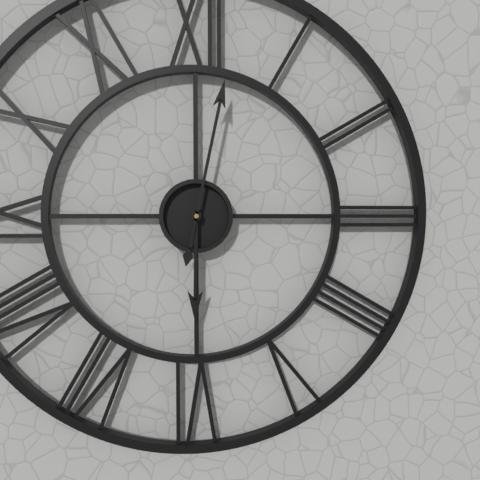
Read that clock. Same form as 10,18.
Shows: 6,02
